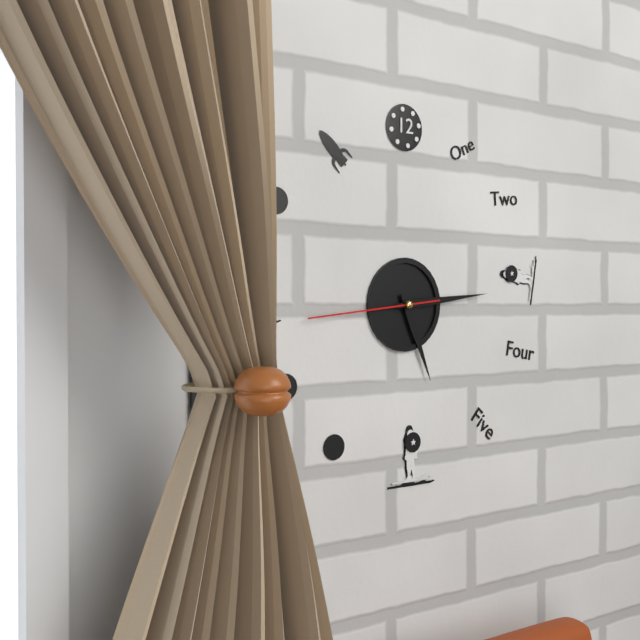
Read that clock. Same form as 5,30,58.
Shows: 5,14,44
